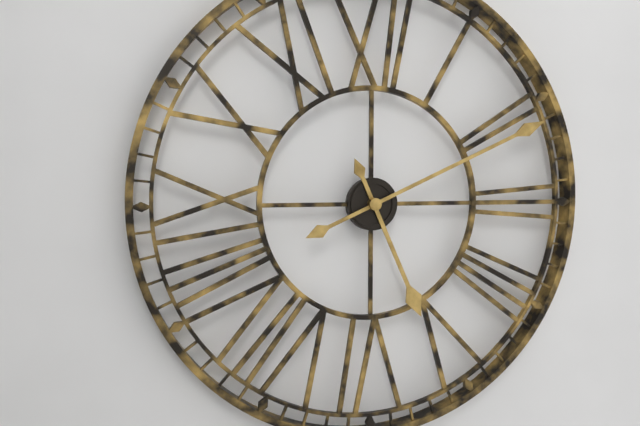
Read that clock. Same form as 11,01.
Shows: 5,11
